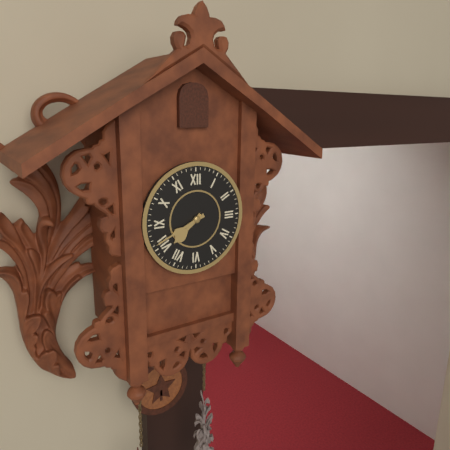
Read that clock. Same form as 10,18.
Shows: 7,41
